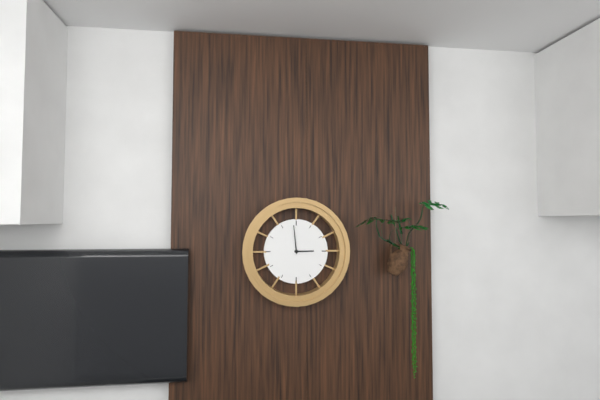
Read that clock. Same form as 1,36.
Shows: 2,59
